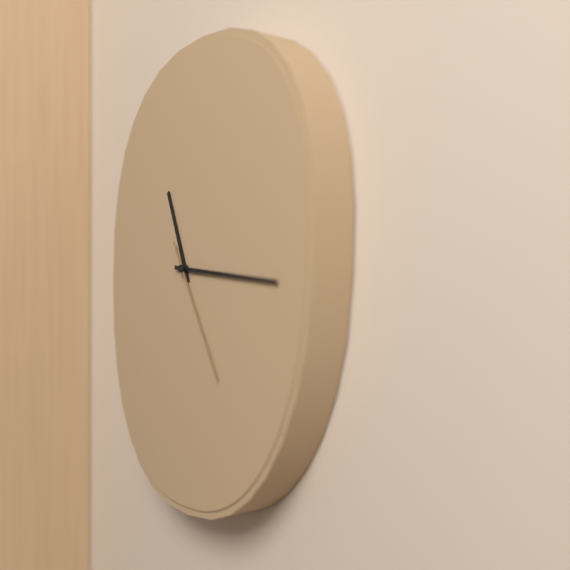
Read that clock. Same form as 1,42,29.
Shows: 11,16,25
